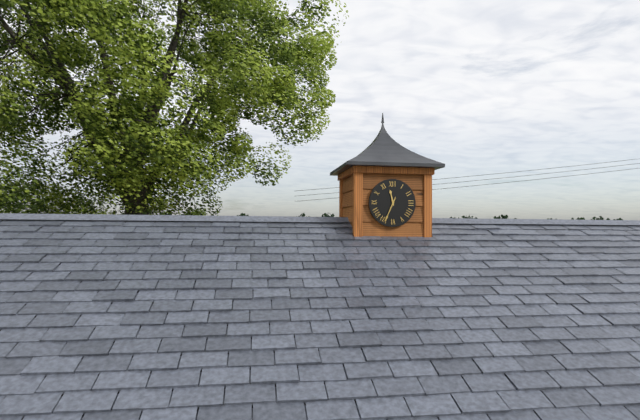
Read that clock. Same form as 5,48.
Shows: 11,34
